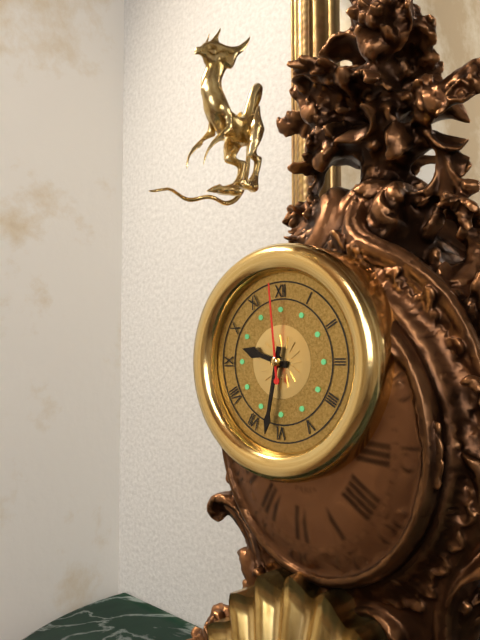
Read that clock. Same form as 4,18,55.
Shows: 9,32,59
